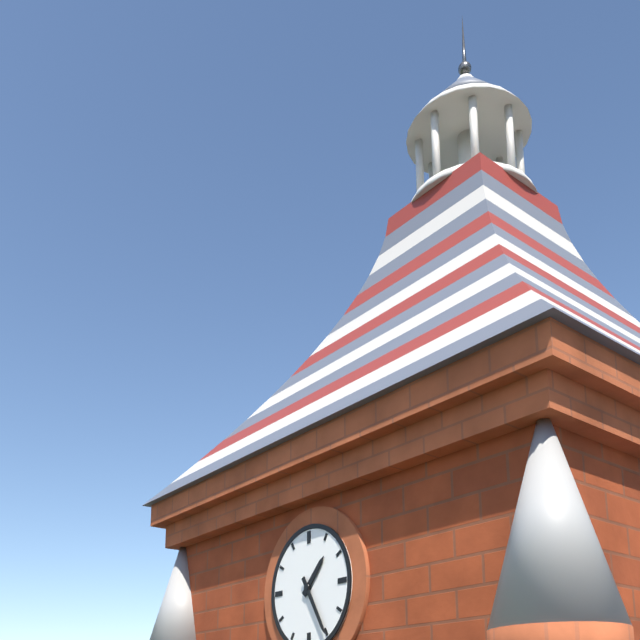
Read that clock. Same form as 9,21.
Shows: 1,25
